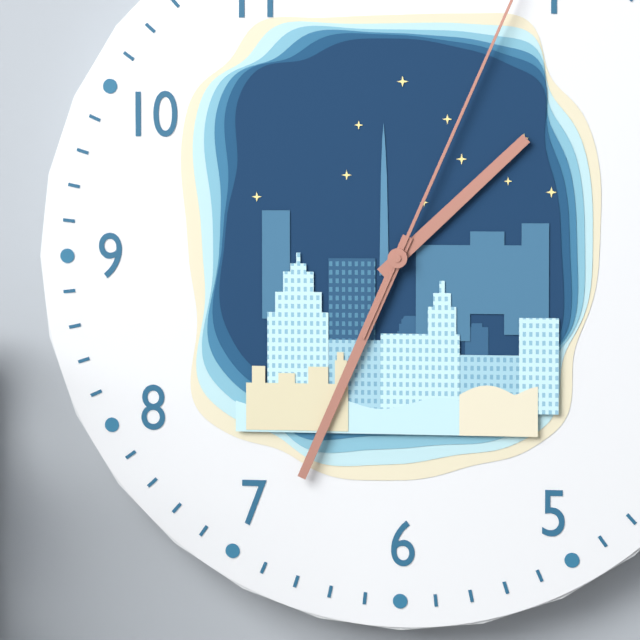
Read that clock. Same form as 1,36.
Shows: 1,34
